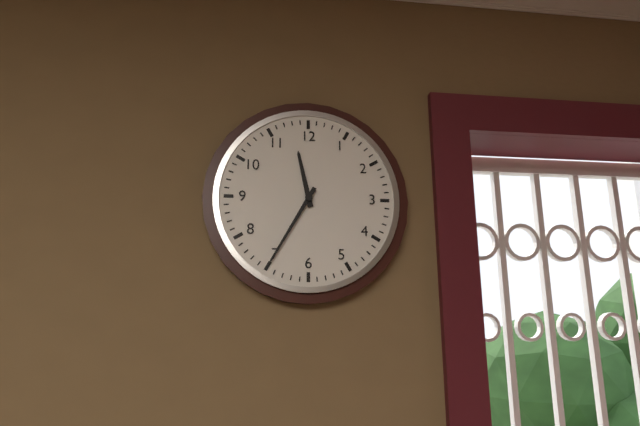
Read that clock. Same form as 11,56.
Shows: 11,35
